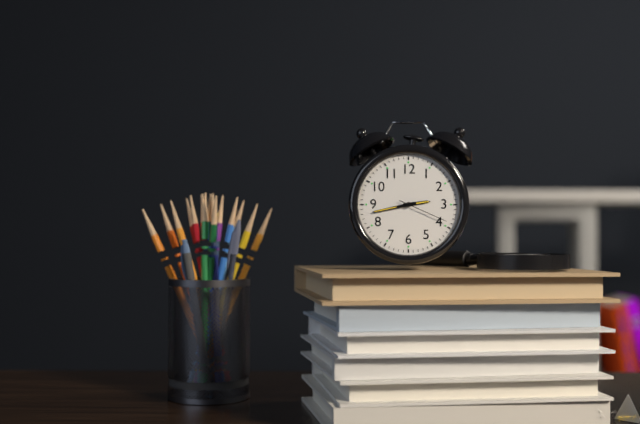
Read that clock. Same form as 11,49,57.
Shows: 2,43,19
